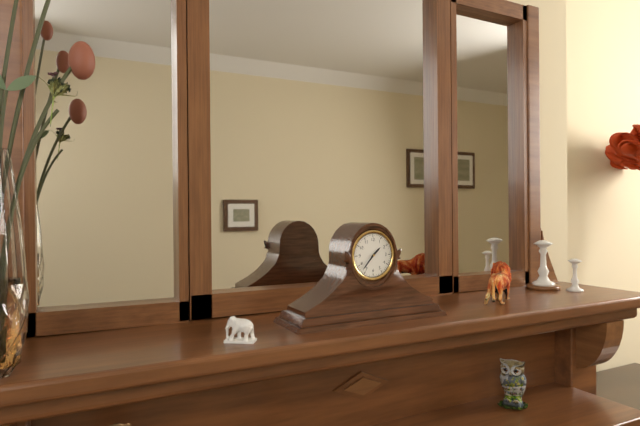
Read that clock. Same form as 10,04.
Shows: 1,37
